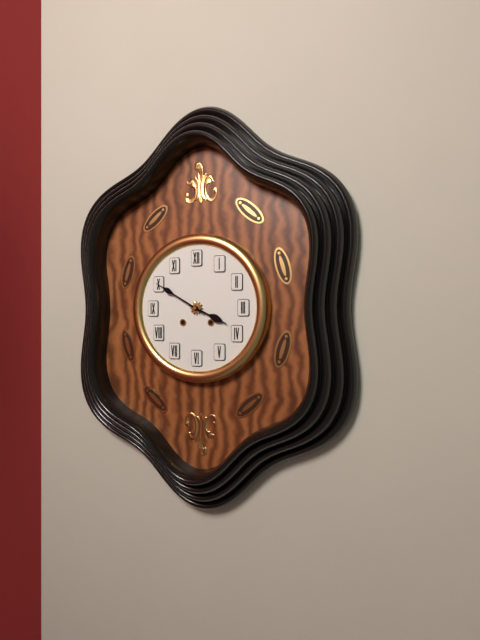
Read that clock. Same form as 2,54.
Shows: 3,50
